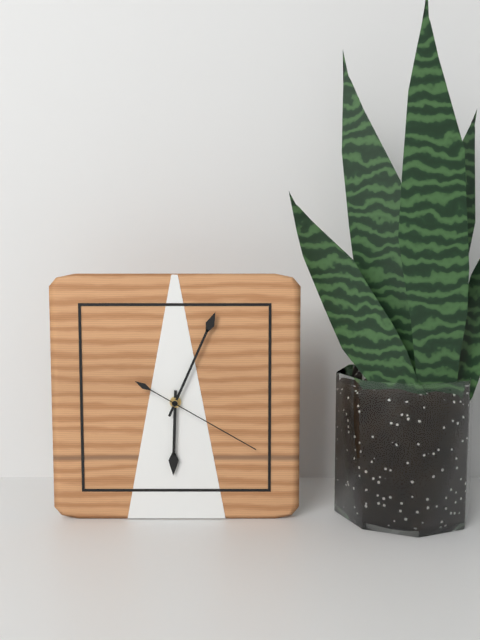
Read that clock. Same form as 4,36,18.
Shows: 6,04,20
